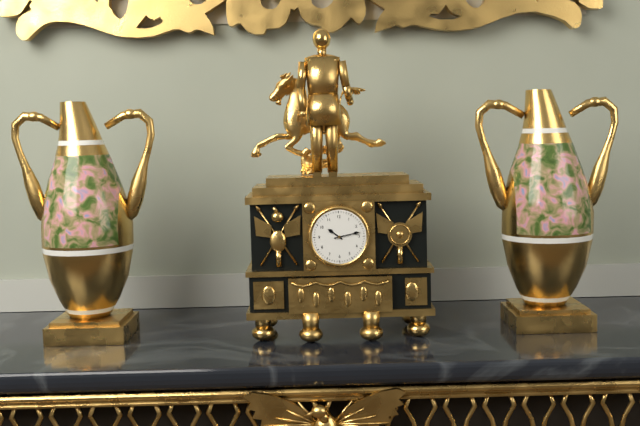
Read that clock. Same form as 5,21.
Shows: 10,13
